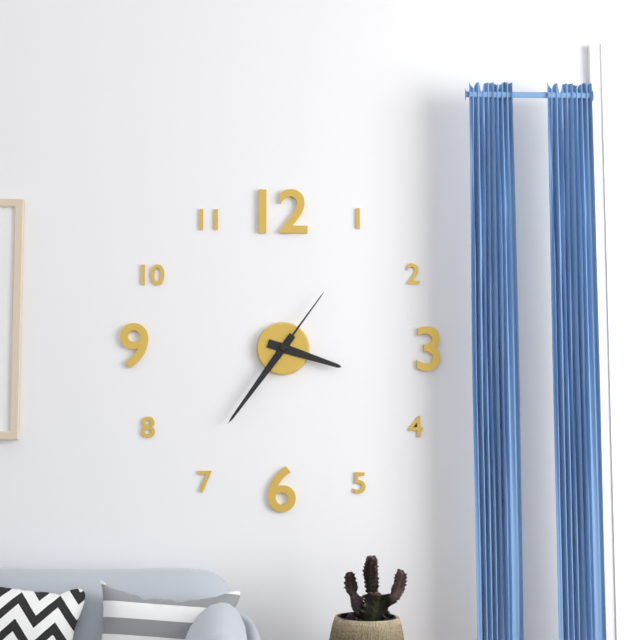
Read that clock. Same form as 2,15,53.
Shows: 3,36,06
